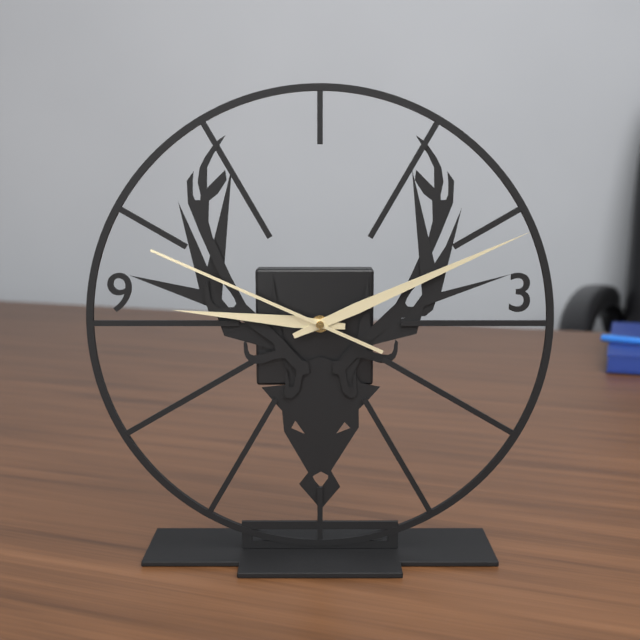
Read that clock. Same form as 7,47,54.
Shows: 9,11,49
